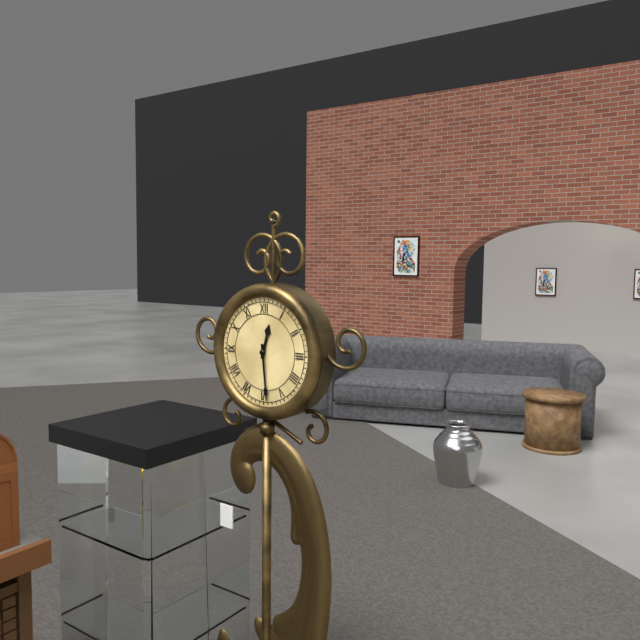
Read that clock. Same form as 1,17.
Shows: 12,29
